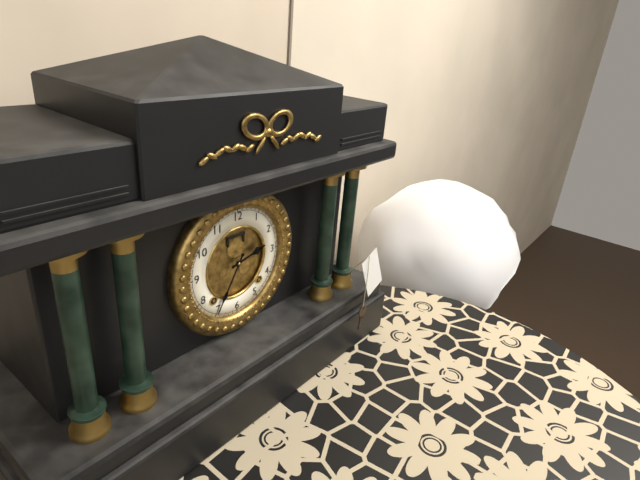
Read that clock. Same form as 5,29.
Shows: 2,35
